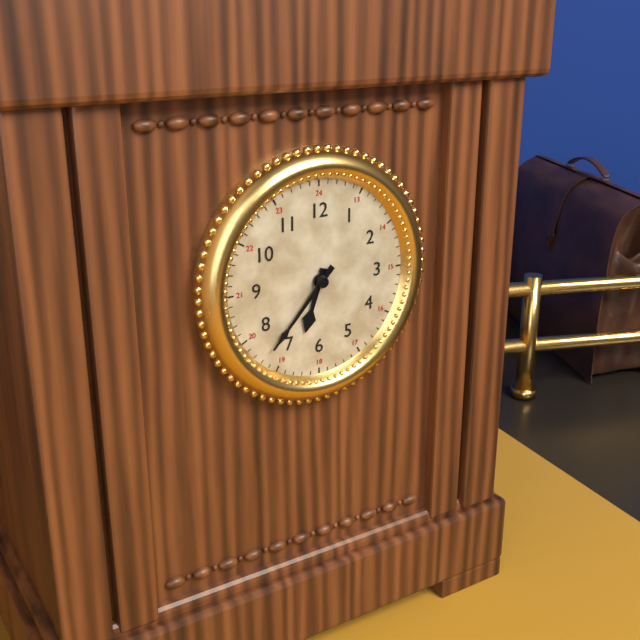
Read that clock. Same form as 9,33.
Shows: 6,37
